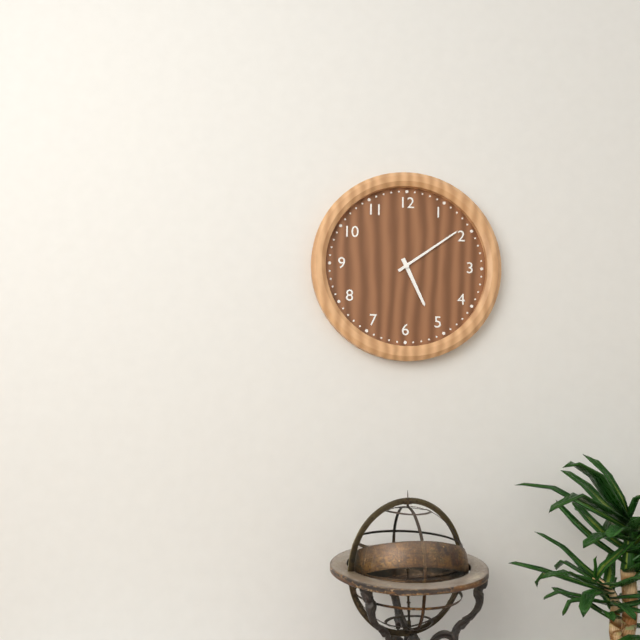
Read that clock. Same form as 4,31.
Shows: 5,09
